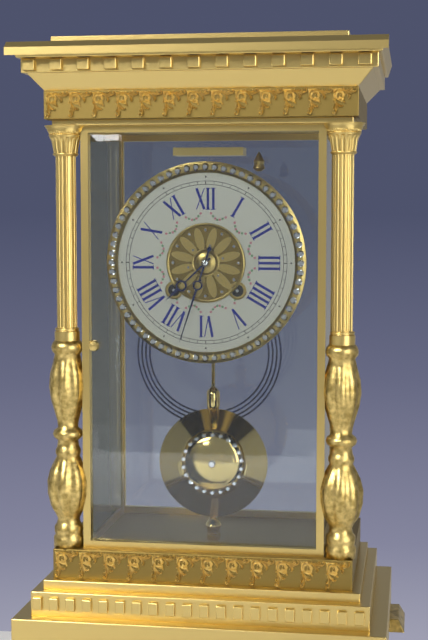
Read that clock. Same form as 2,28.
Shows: 7,33
